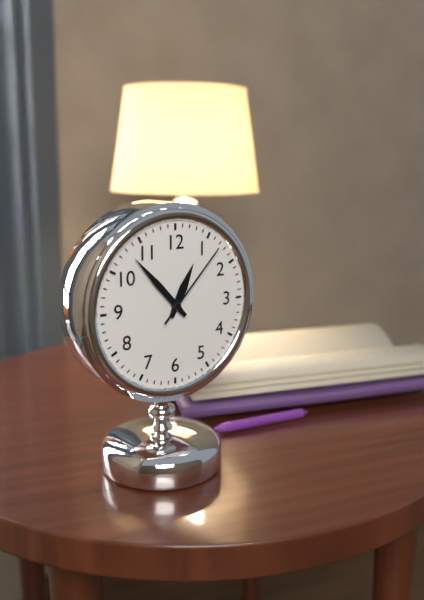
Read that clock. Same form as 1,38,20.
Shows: 12,53,07
